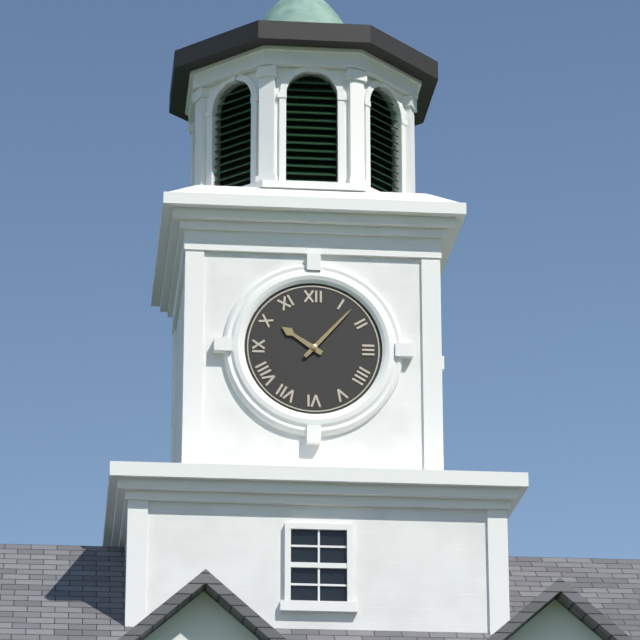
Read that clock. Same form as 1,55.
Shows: 10,07
